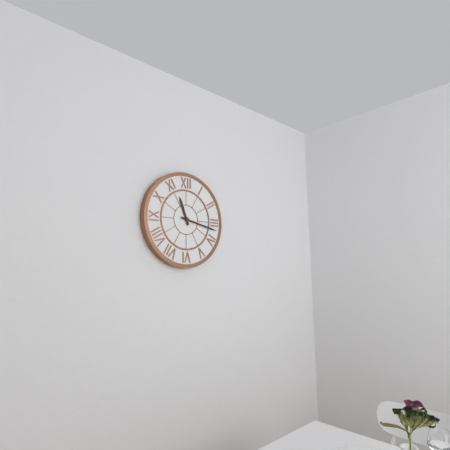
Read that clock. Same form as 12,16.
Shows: 11,17
